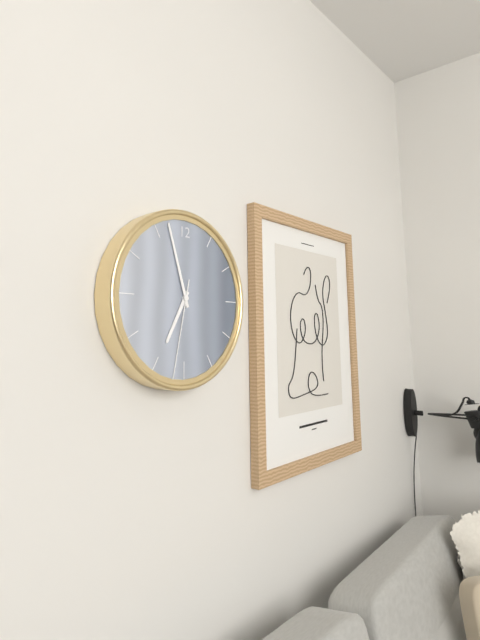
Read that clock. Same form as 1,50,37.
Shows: 6,57,32
